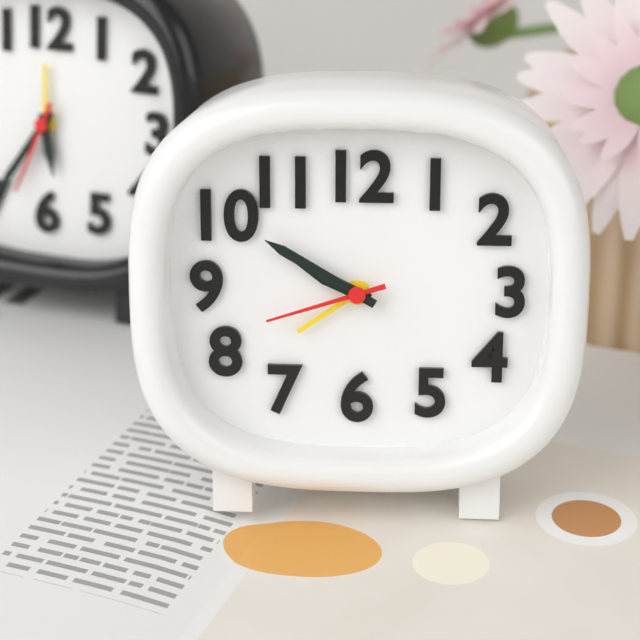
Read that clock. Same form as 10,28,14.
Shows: 9,50,42
